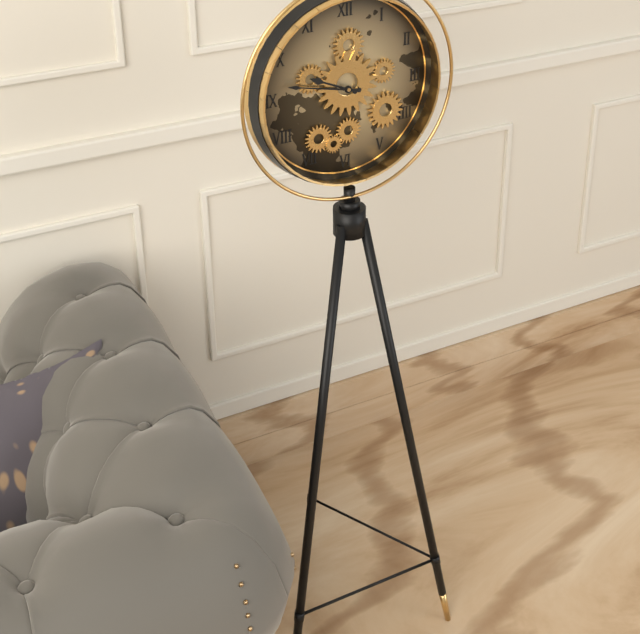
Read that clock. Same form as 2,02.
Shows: 9,47
